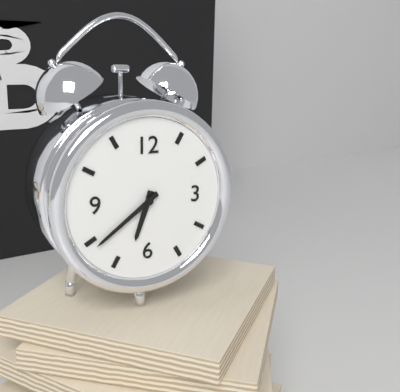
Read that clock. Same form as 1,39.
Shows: 6,39
